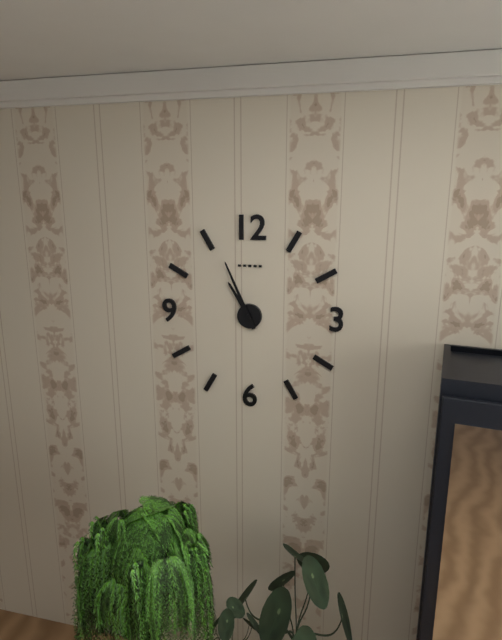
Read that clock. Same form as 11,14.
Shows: 10,56
